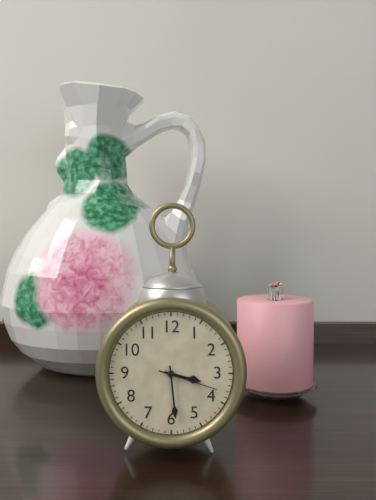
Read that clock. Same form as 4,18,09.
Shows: 3,29,18
